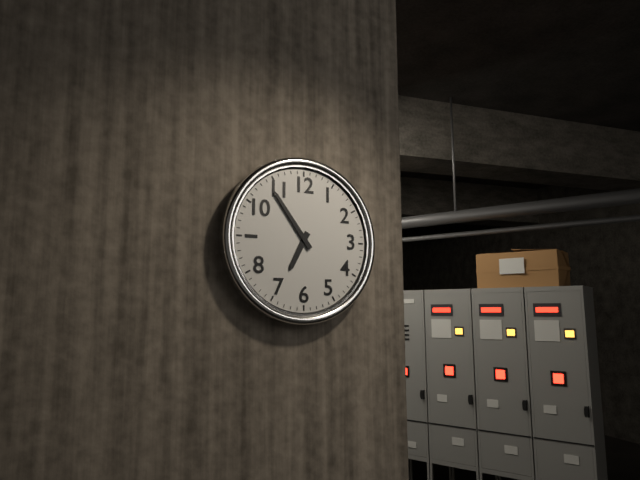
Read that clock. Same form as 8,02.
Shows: 6,54
